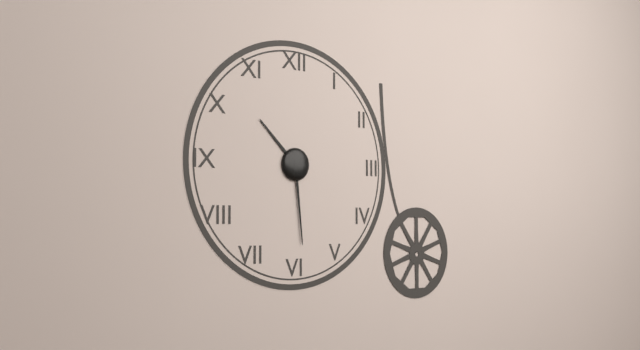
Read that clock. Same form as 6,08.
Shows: 10,29
